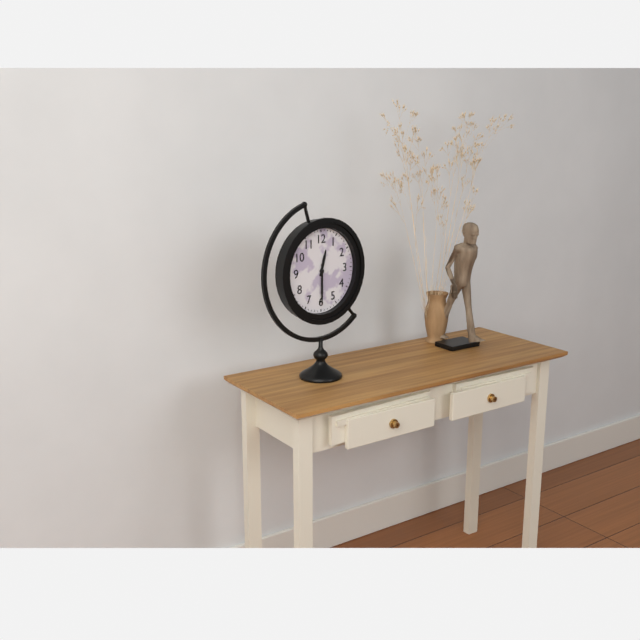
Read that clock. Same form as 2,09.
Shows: 12,30
